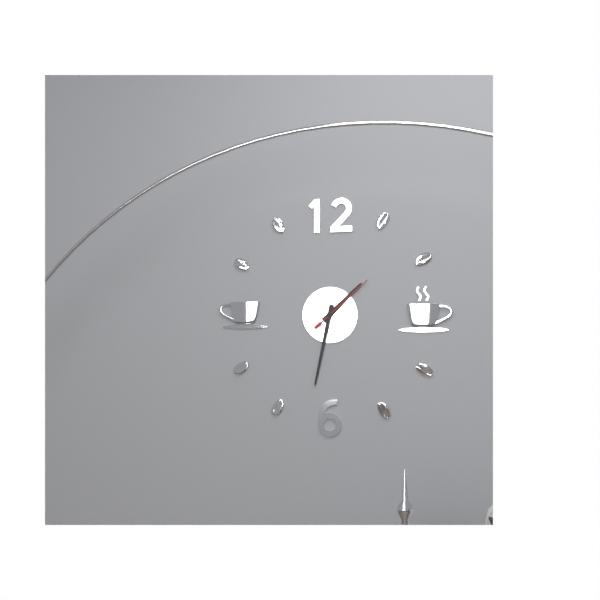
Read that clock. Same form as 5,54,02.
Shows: 1,32,08
